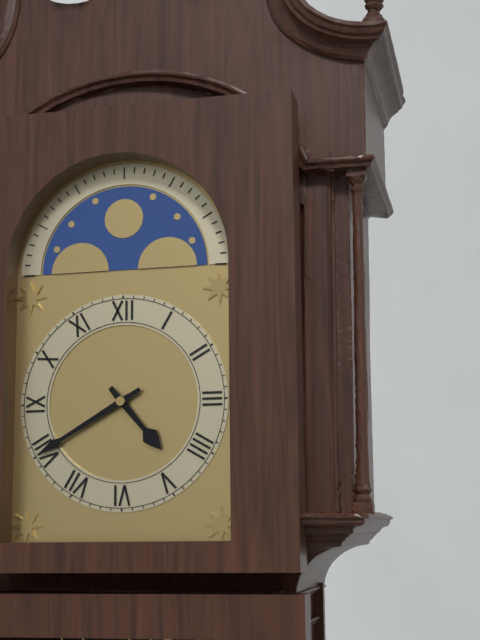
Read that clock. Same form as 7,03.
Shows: 4,40
